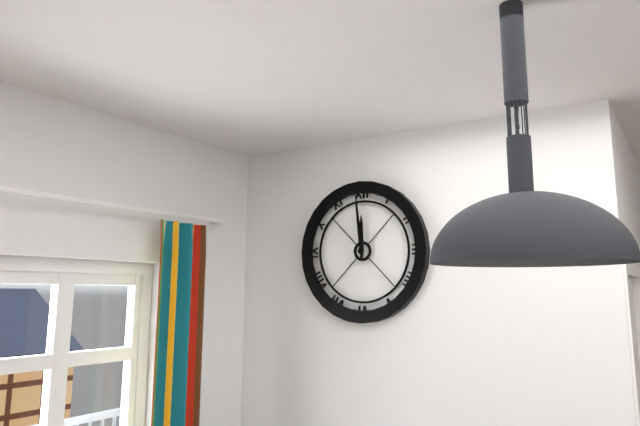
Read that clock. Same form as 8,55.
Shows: 11,59
